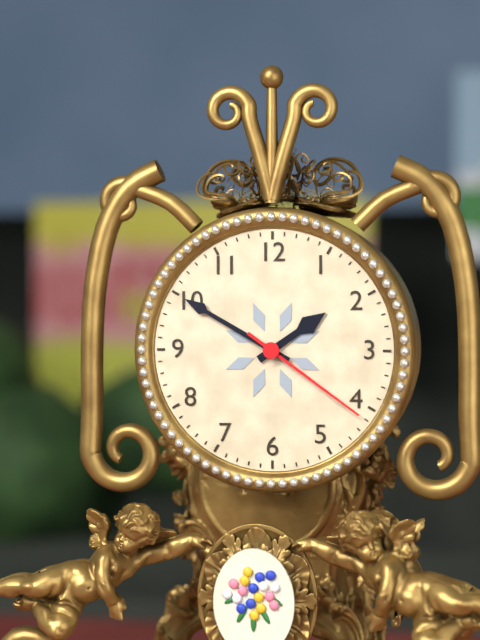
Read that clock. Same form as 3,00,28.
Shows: 1,50,21
